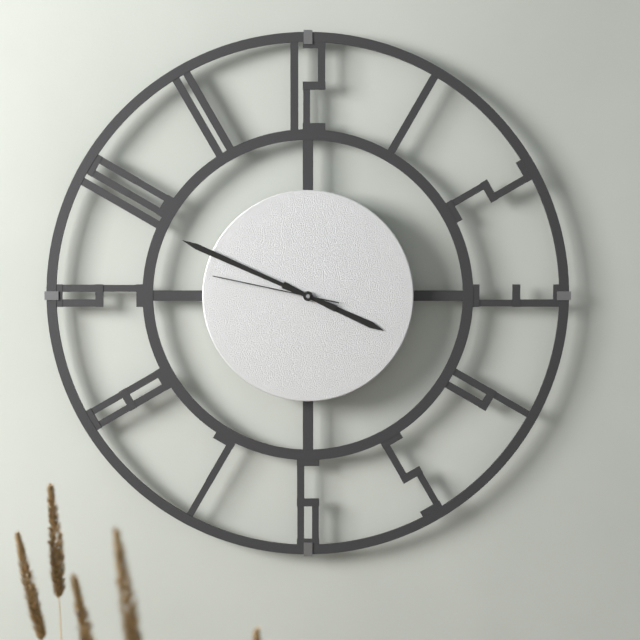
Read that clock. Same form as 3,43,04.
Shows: 3,49,47
